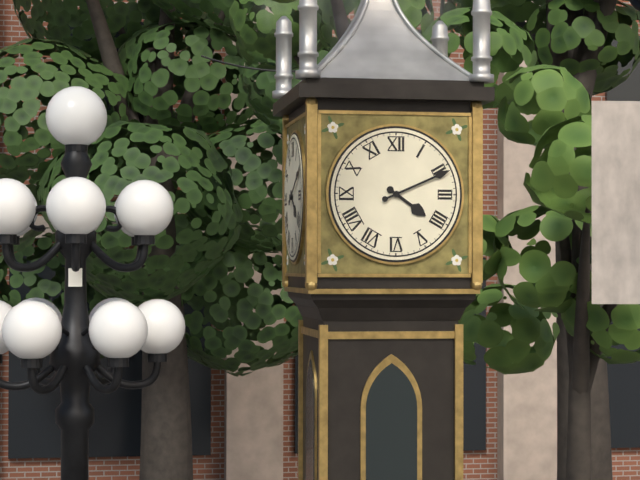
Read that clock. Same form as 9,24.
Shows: 4,11
